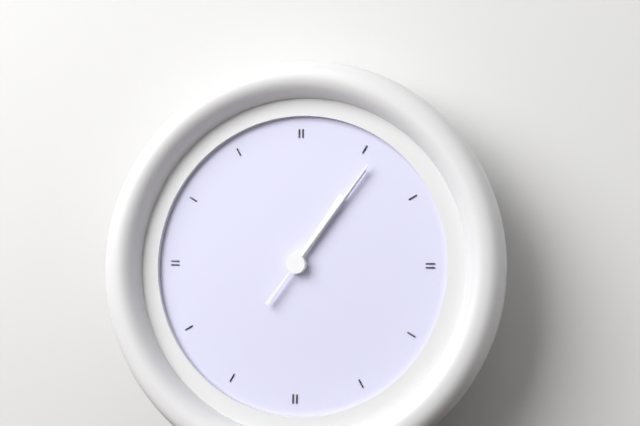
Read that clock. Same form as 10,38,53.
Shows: 1,06,06
